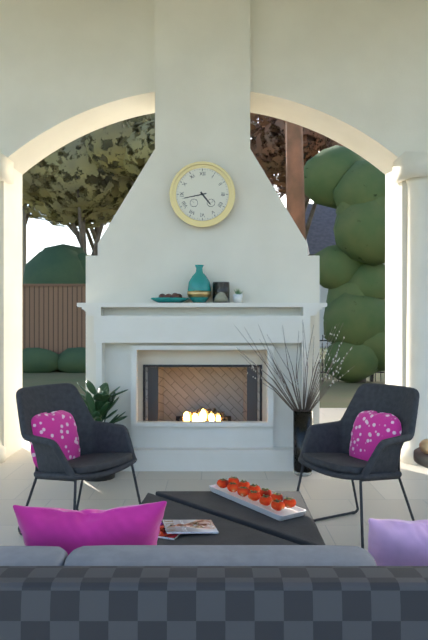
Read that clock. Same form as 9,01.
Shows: 4,43
